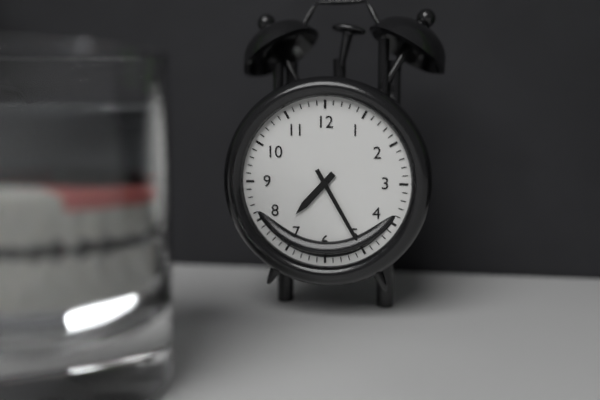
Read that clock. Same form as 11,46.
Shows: 7,25
